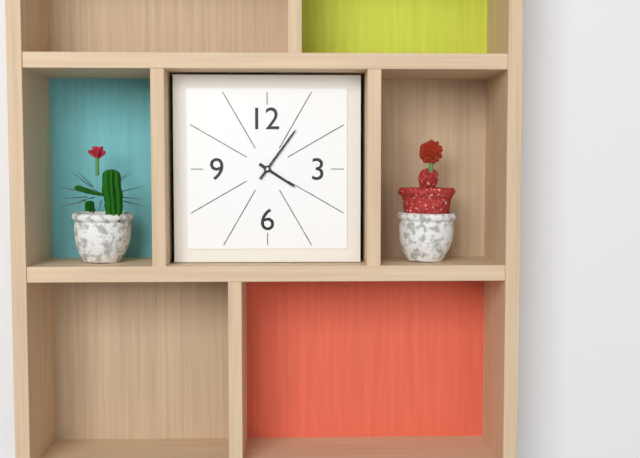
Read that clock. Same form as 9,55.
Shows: 4,06
